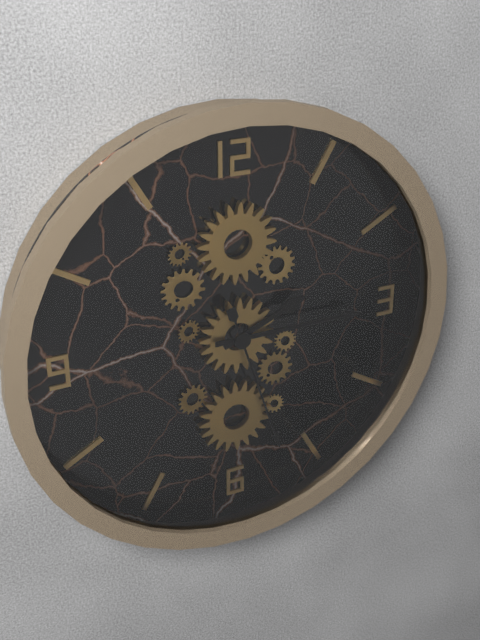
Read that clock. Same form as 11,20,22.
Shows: 2,15,27
